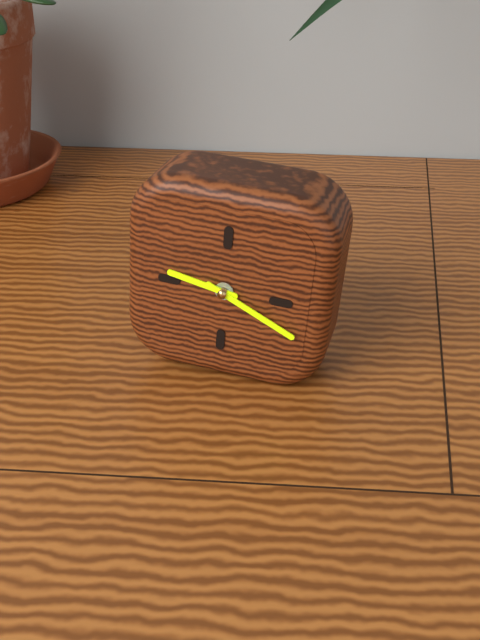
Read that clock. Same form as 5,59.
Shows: 9,19
